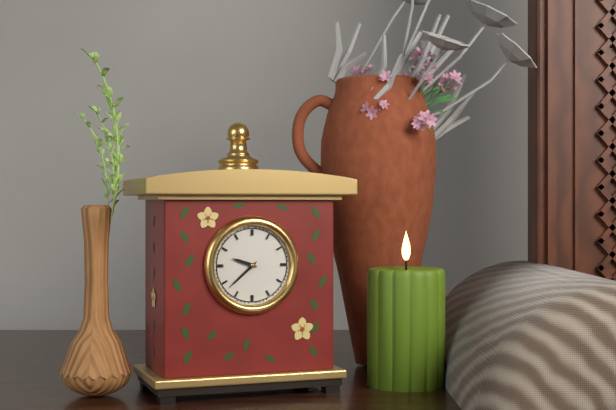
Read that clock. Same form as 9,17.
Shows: 9,38
